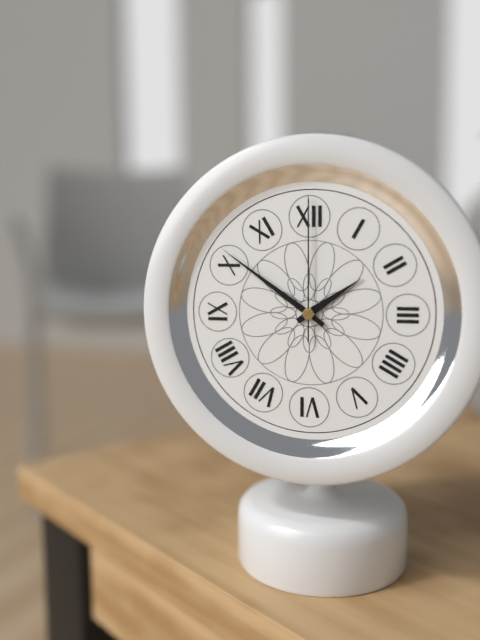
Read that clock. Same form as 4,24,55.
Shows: 1,51,00
